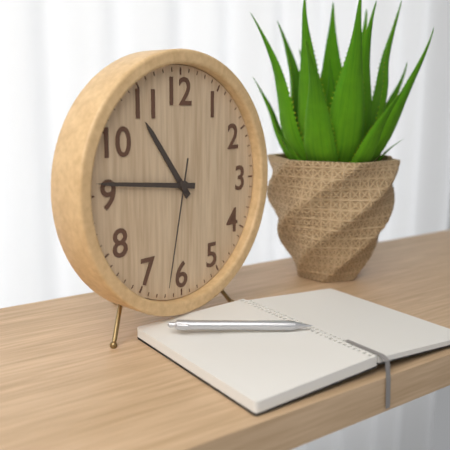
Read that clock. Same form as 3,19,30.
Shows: 10,46,32
